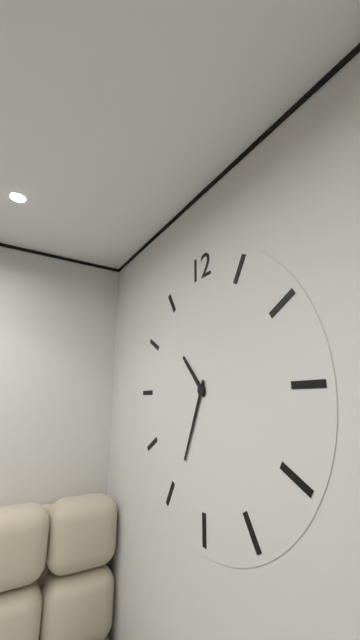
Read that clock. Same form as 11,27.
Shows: 10,34
